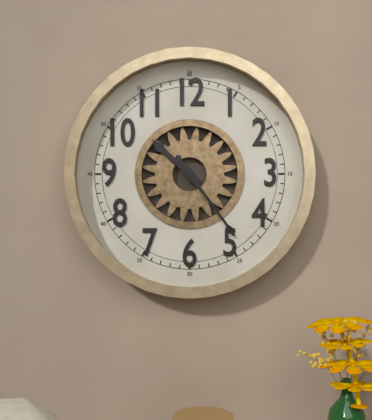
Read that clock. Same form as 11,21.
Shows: 10,24
